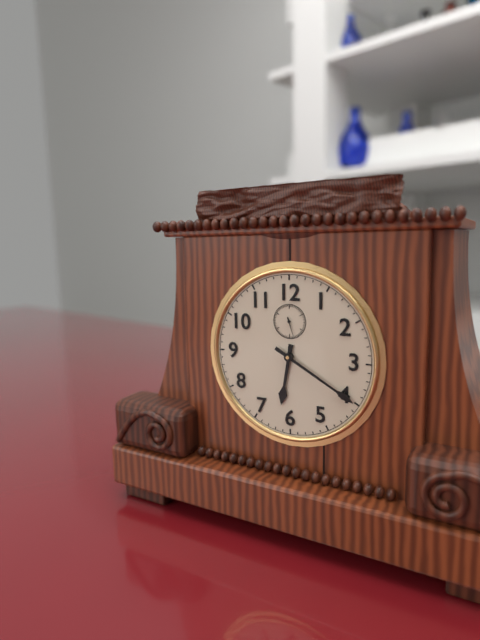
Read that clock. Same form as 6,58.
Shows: 6,20
